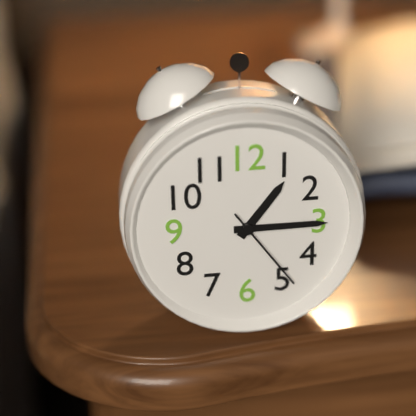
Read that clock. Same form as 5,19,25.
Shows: 1,15,24
